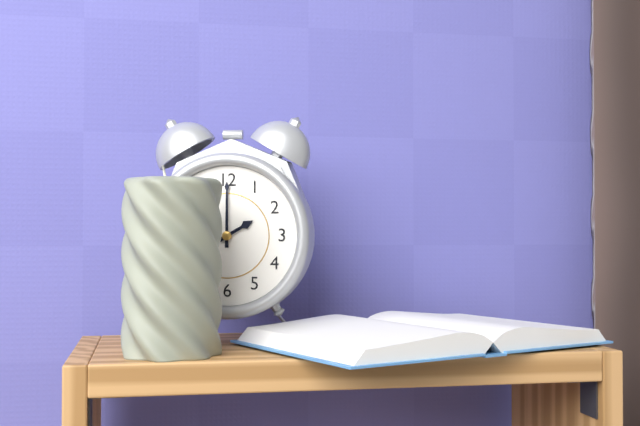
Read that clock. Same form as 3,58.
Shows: 2,00
